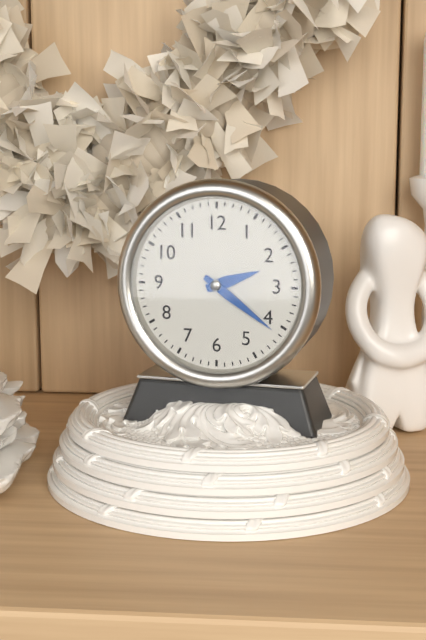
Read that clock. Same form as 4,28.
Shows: 2,21
